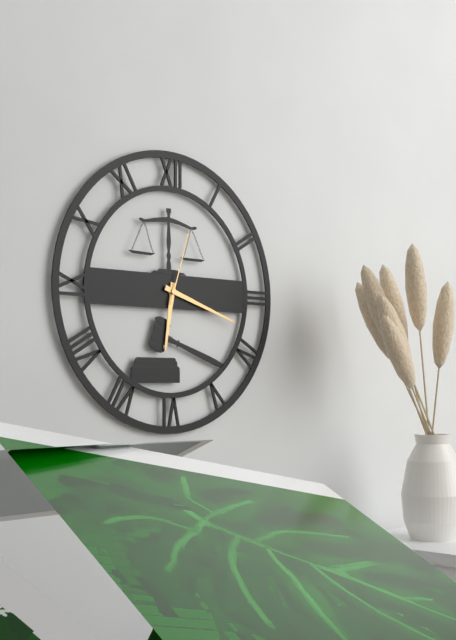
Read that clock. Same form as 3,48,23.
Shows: 6,18,03
